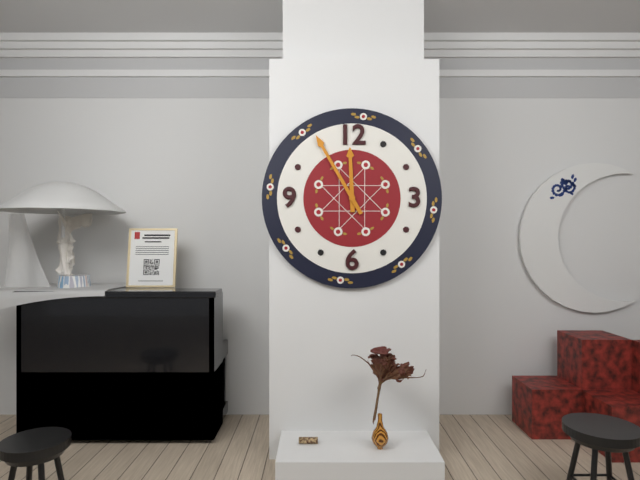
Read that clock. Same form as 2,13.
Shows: 11,55
